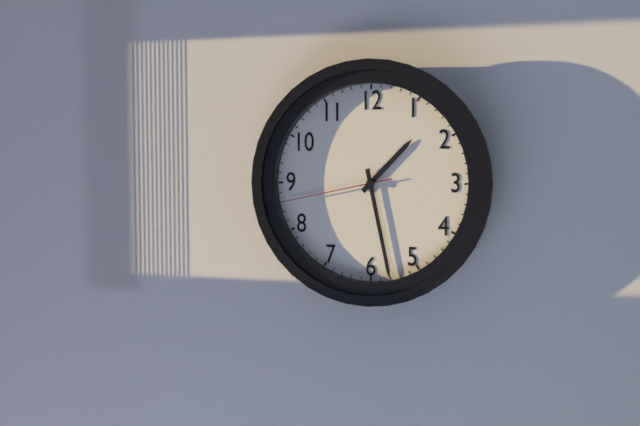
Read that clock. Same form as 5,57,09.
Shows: 1,28,43
